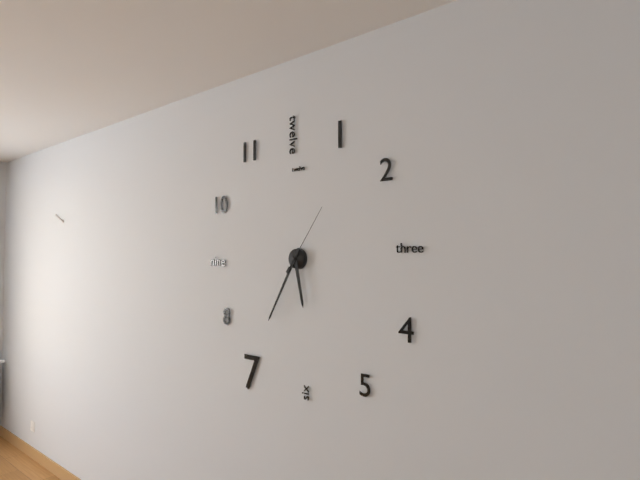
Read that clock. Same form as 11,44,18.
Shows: 5,35,06
